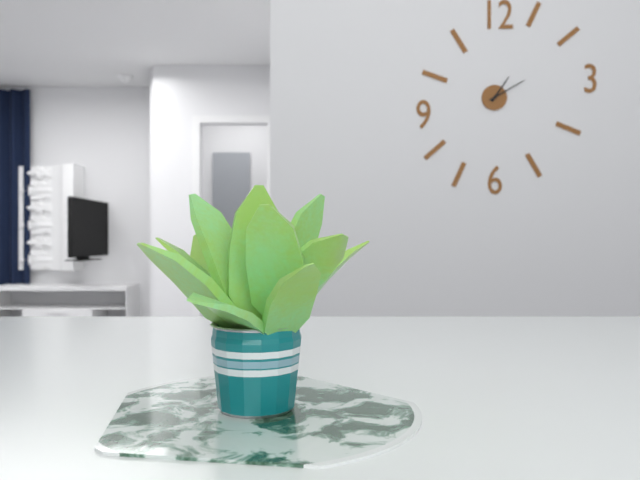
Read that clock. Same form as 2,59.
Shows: 1,10
